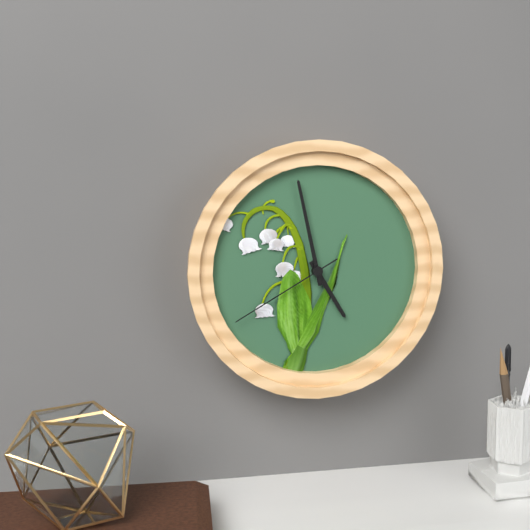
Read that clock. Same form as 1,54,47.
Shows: 4,58,40
